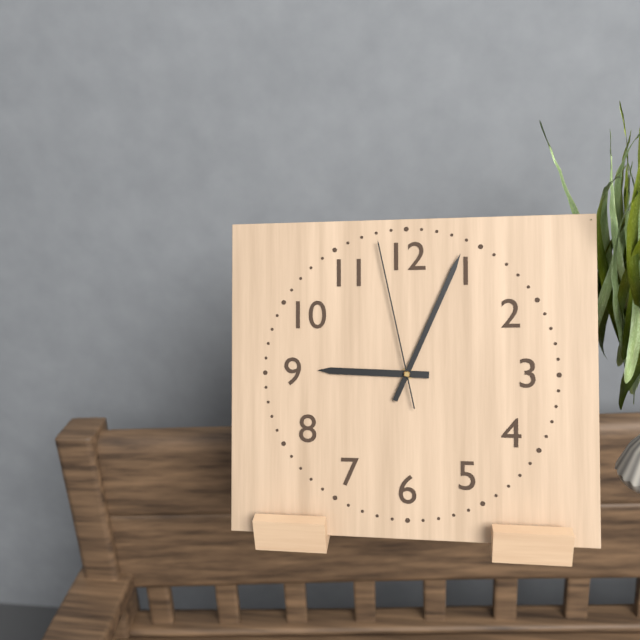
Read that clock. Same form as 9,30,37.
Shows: 9,04,58
